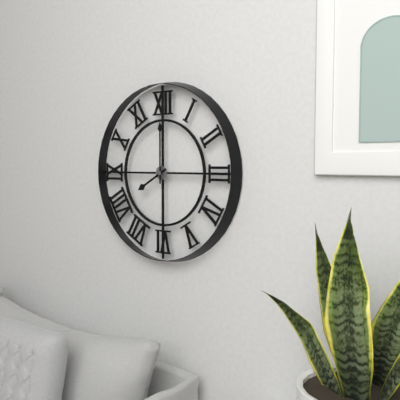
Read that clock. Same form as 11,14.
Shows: 8,00
